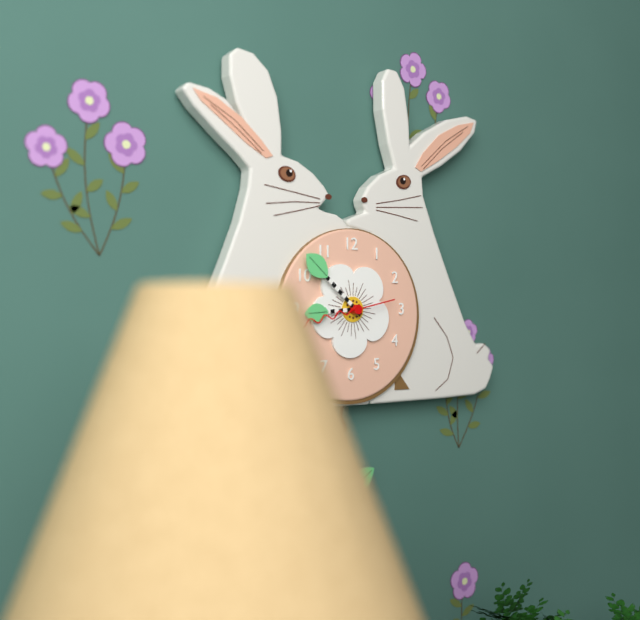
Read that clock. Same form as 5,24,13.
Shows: 8,52,43
